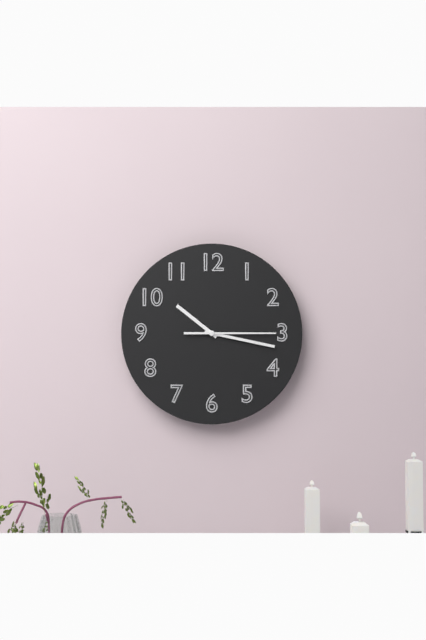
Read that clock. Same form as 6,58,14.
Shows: 10,17,15
